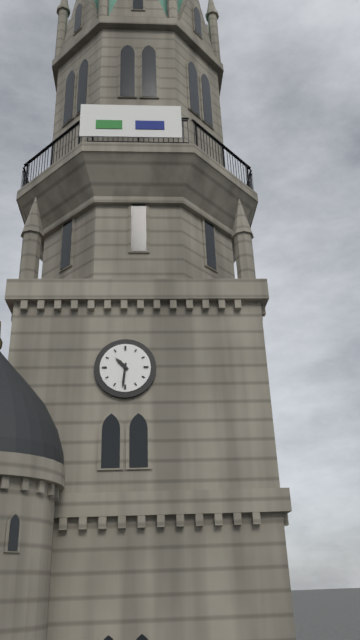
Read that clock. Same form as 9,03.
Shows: 10,31
